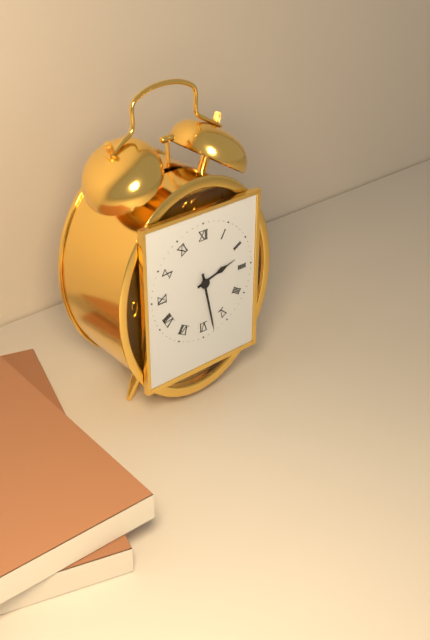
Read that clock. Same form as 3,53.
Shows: 2,28
